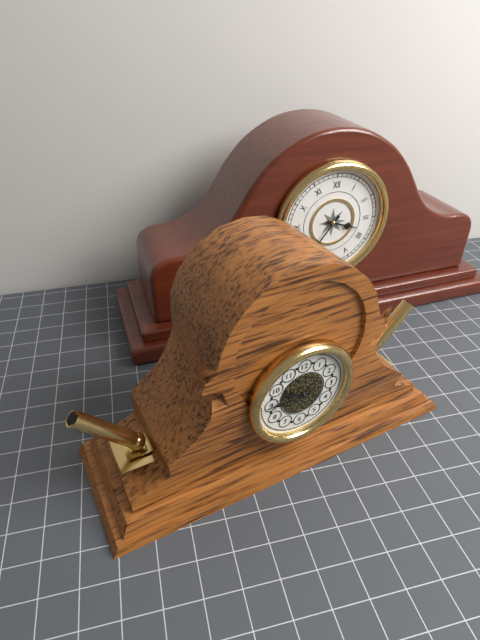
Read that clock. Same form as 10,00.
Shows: 9,45
